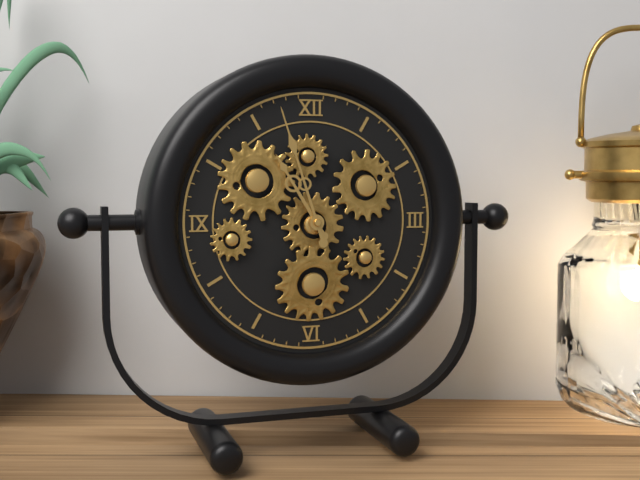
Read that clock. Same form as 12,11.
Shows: 10,57
